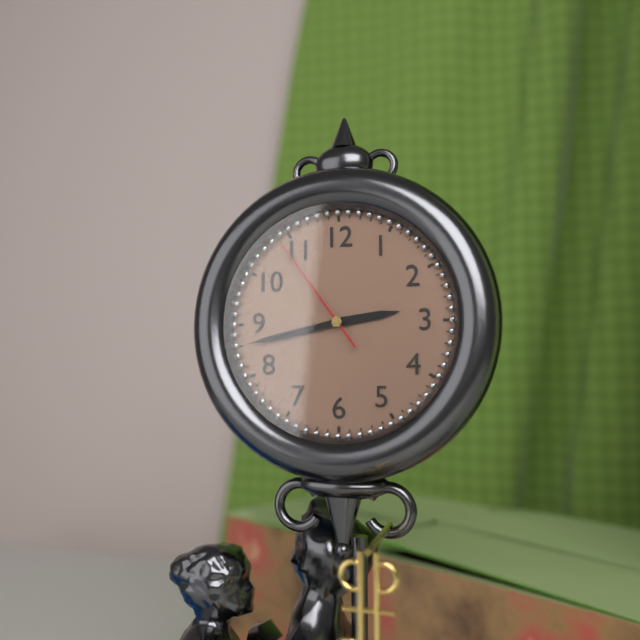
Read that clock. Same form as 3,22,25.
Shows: 2,43,54
